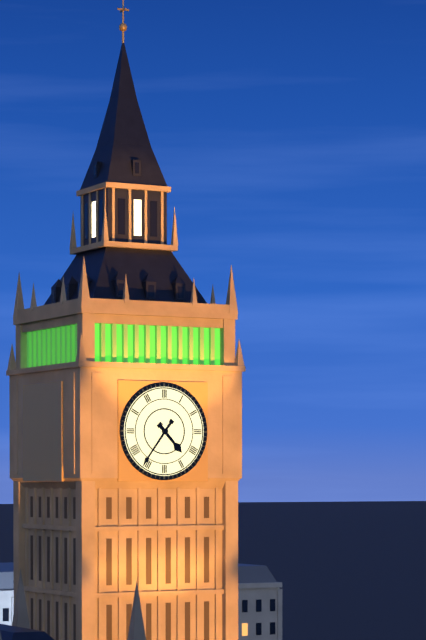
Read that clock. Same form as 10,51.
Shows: 4,36
